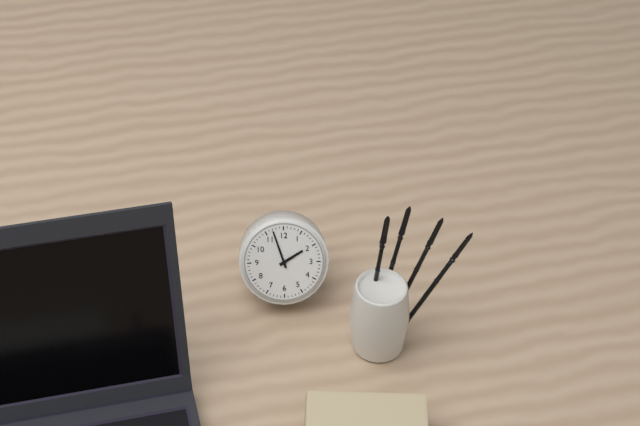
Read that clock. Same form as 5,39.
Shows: 1,57
